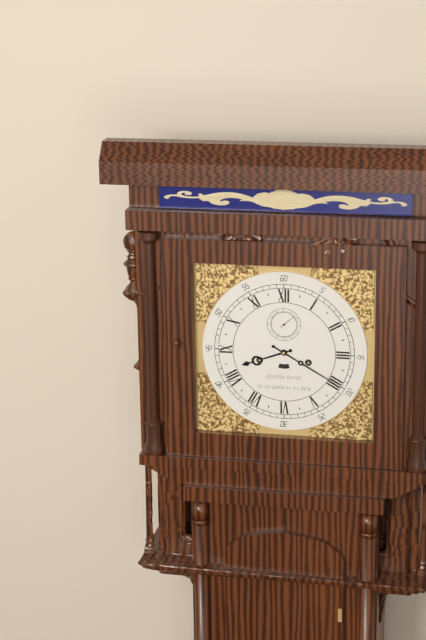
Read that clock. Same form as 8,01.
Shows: 8,20
